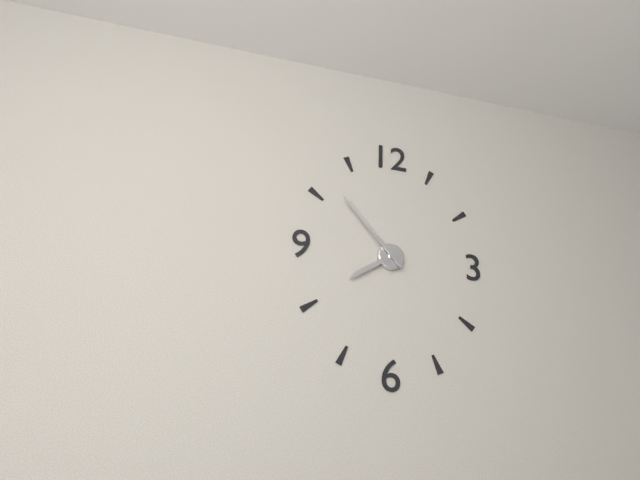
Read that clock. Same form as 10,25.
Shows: 7,53
